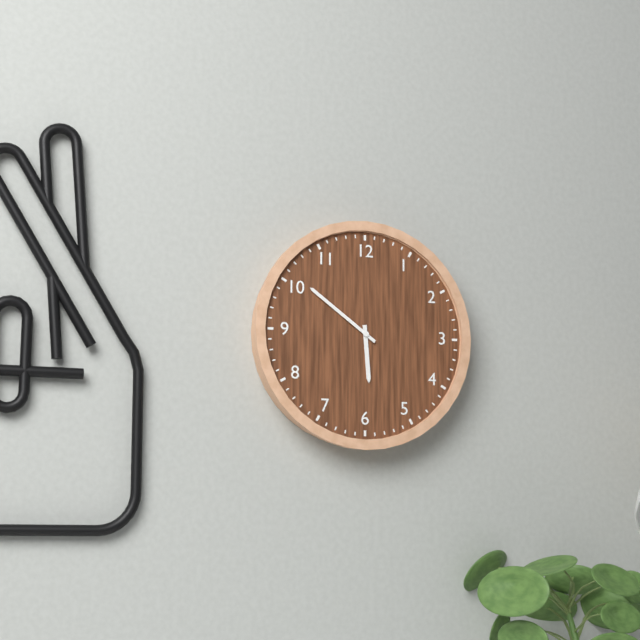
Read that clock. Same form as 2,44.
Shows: 5,51
